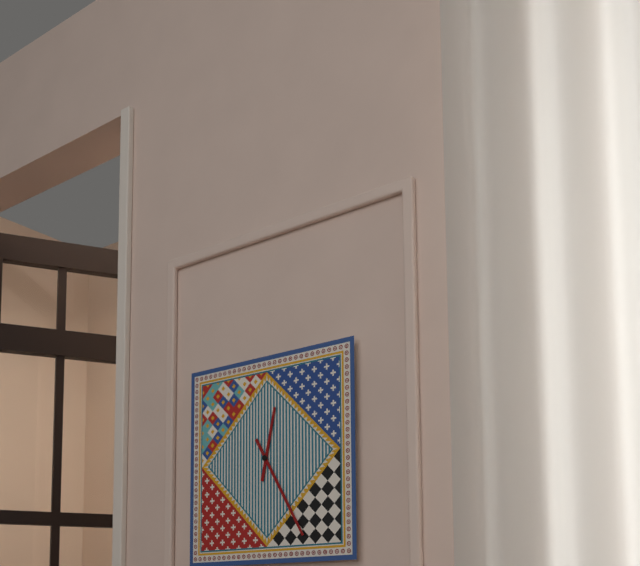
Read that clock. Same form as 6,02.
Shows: 12,25
